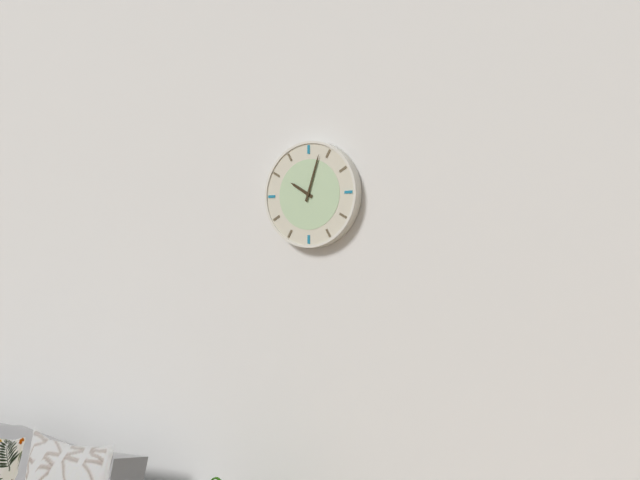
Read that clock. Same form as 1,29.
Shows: 10,03
